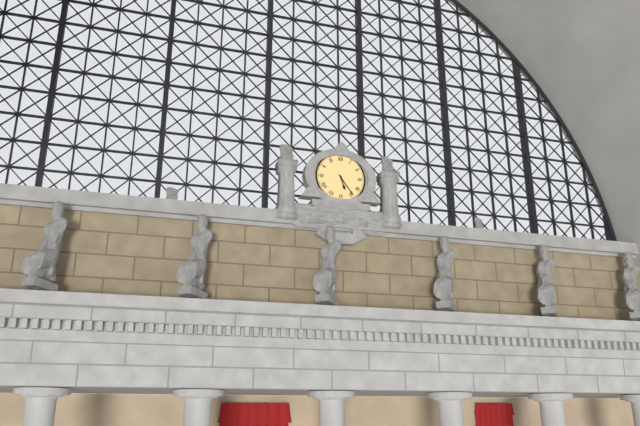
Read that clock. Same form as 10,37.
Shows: 5,24
